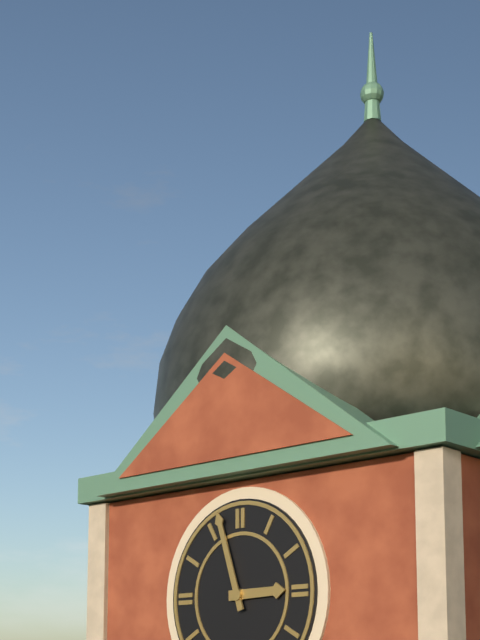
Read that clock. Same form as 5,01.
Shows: 2,57
